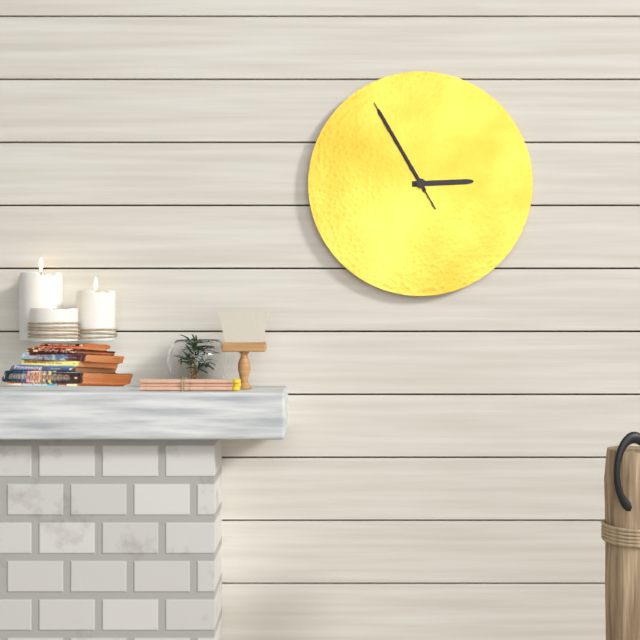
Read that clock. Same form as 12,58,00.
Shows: 2,55,55
